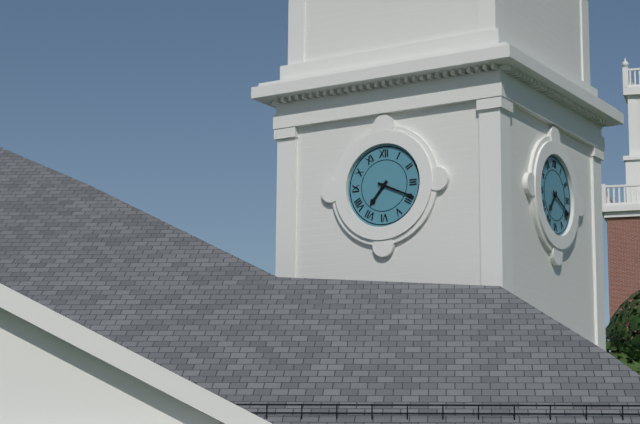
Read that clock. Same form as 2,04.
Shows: 7,19
